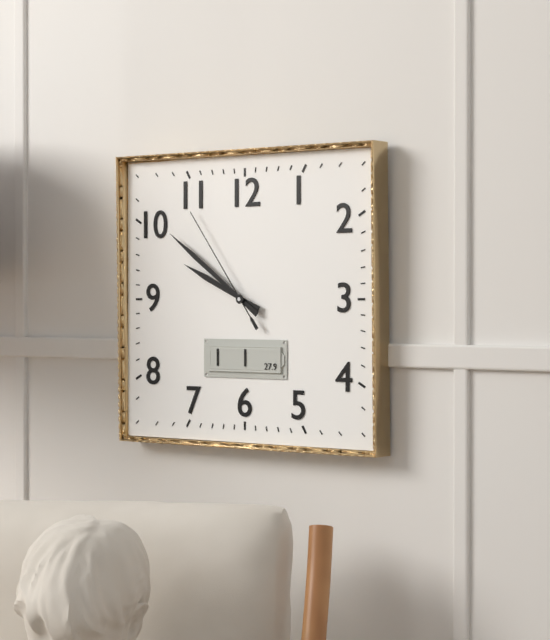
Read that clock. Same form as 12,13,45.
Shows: 9,51,54
